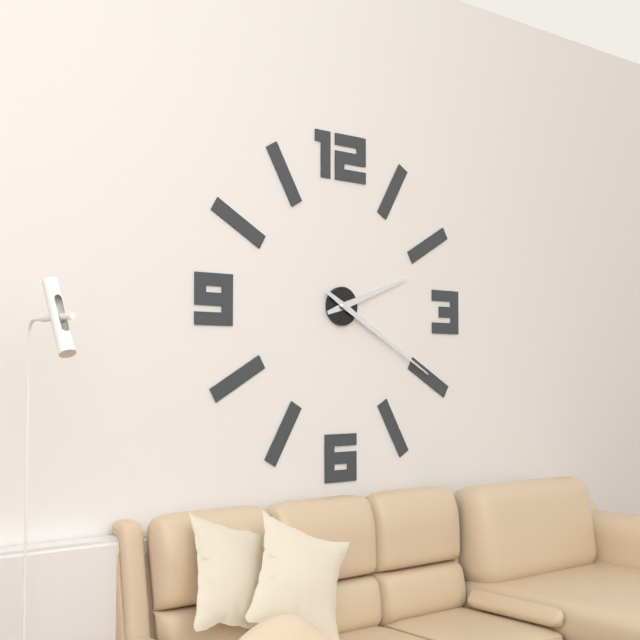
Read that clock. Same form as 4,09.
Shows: 2,20
